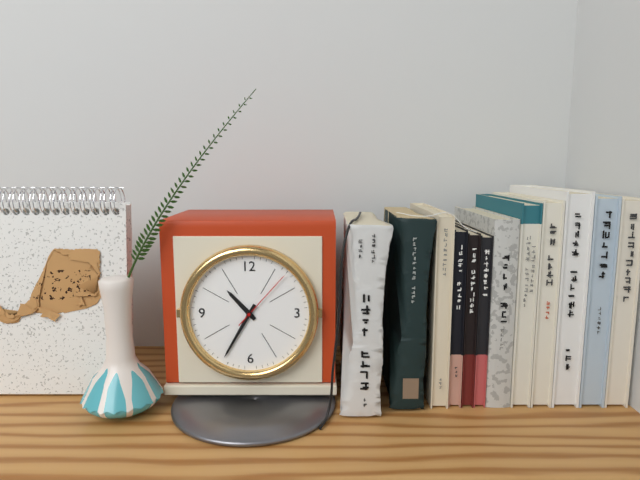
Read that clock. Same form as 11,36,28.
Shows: 10,35,07
